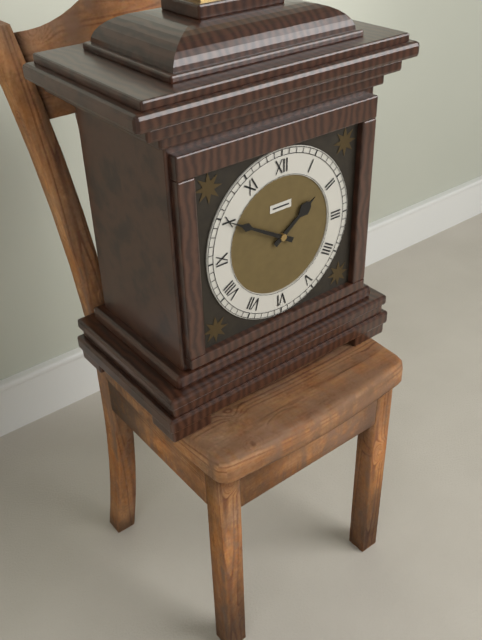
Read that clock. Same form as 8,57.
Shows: 1,50
